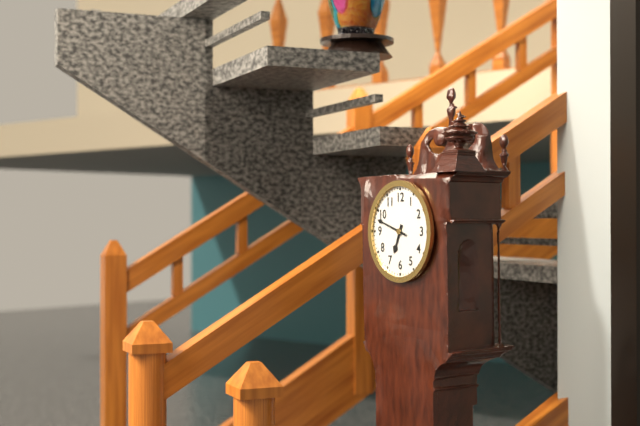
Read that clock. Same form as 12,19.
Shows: 6,48
